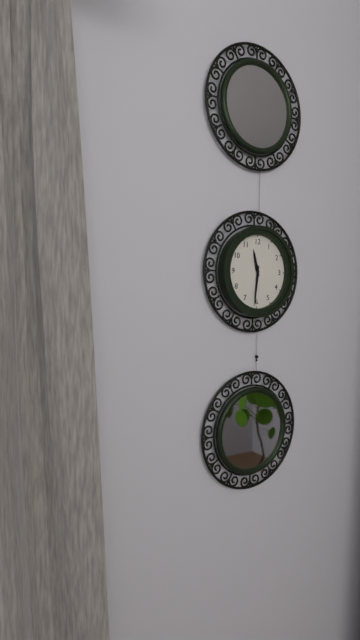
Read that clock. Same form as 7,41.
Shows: 11,31
